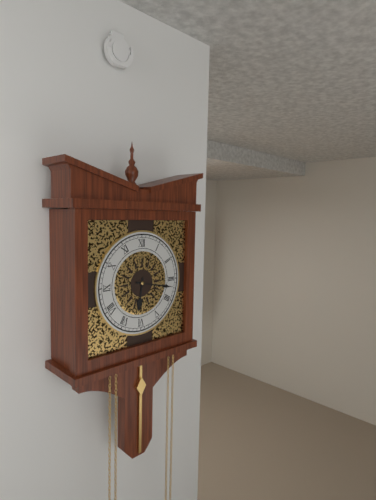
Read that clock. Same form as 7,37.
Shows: 6,17
